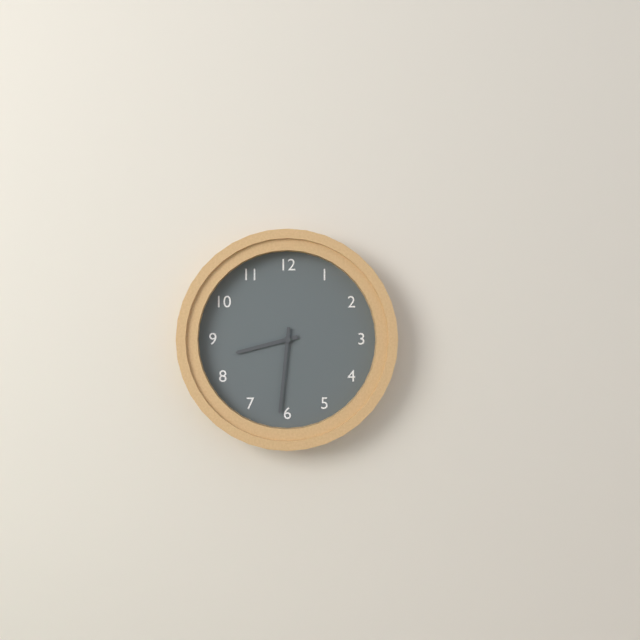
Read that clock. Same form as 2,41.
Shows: 8,31
